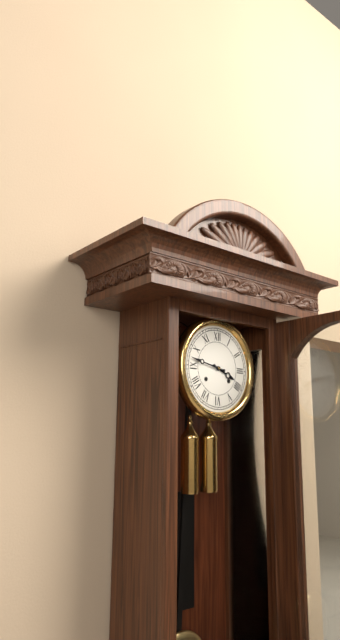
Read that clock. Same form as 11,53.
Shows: 3,47
